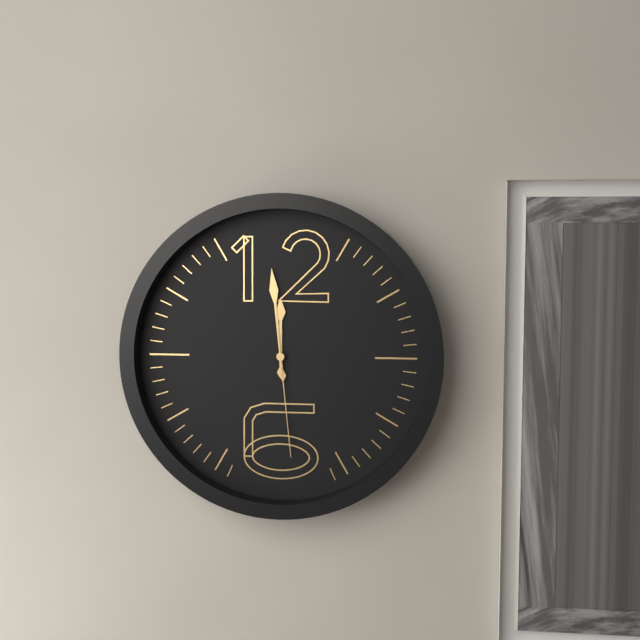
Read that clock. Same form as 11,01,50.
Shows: 11,59,29
